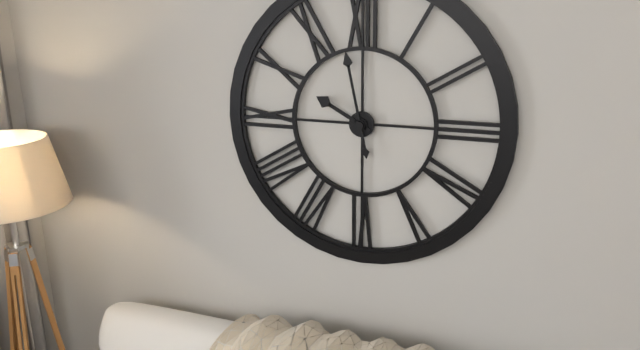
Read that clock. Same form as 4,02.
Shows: 9,58
